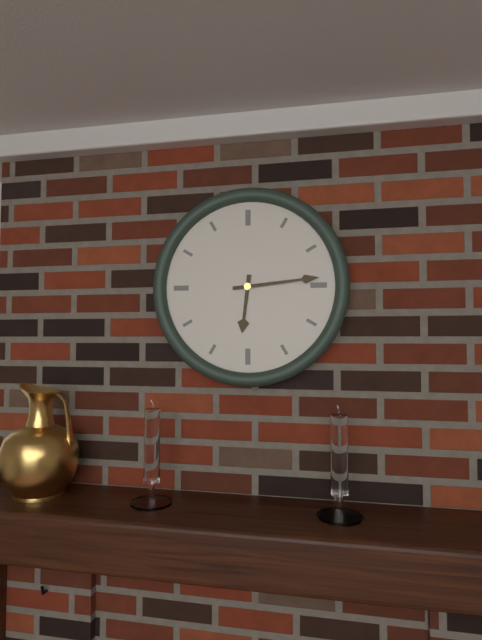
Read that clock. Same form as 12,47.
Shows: 6,14
